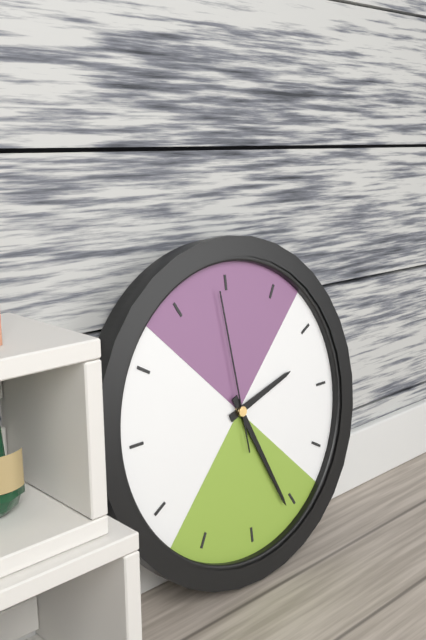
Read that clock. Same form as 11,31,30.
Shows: 2,26,59
